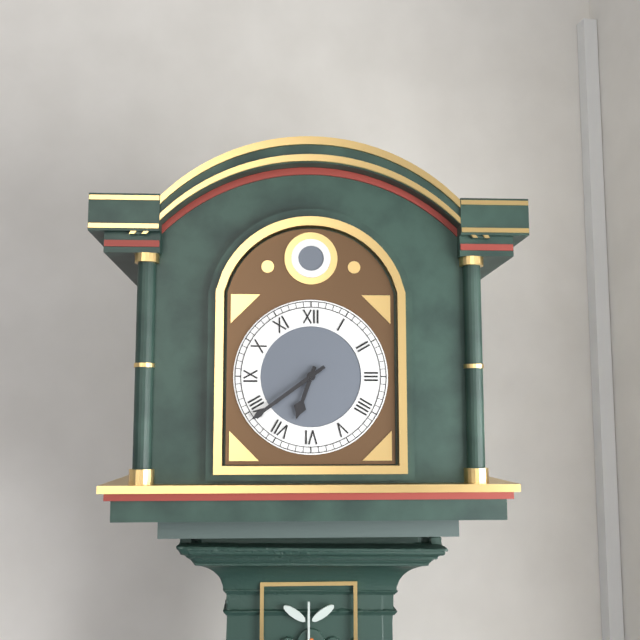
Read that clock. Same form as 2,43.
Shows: 6,39
